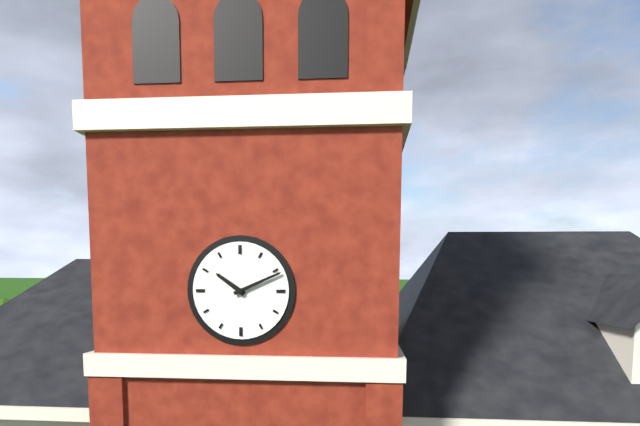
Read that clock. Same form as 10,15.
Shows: 10,11
